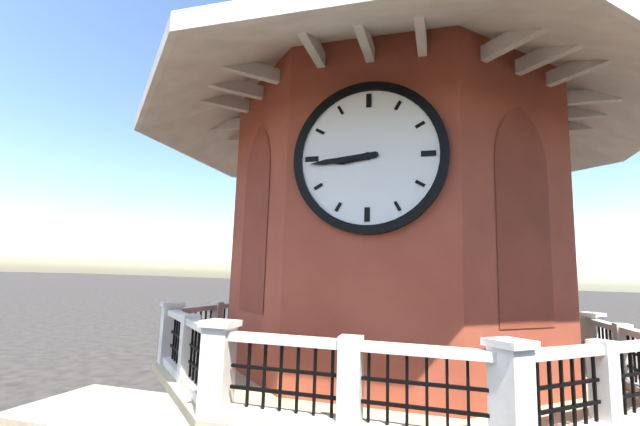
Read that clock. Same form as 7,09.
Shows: 8,44
